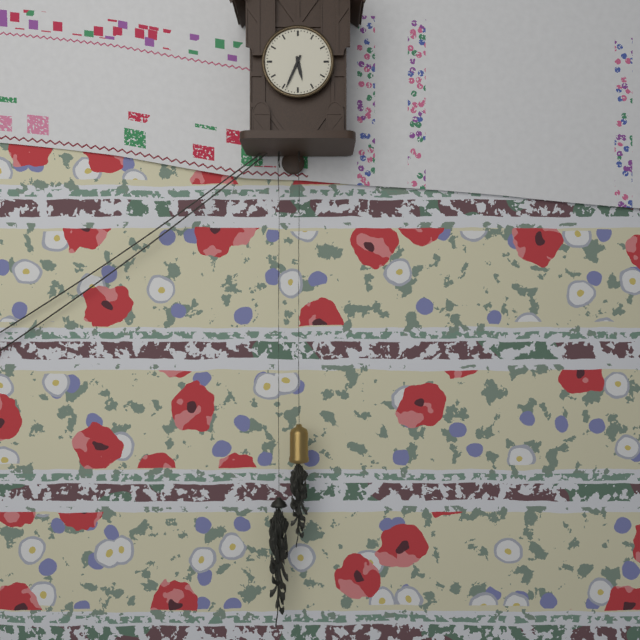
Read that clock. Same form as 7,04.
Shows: 5,34
